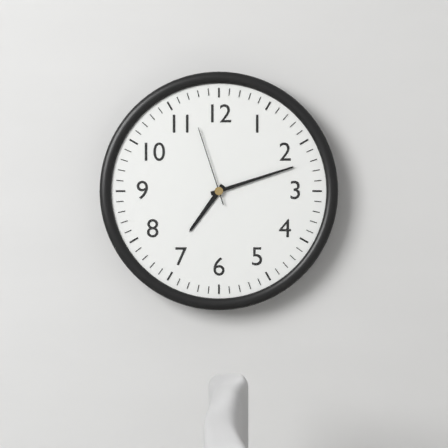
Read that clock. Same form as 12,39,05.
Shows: 7,12,57
